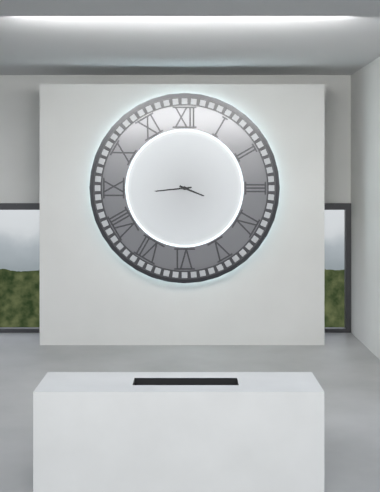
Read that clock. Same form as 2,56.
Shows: 3,44
